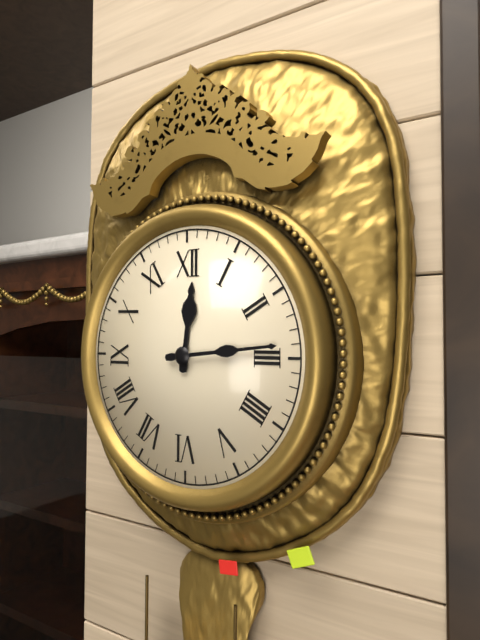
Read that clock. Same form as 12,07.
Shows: 12,14
